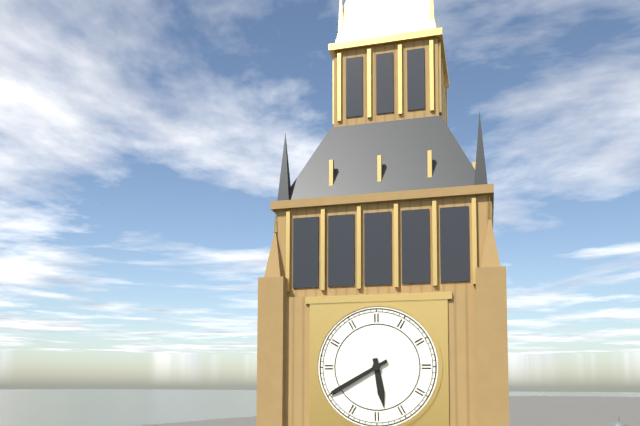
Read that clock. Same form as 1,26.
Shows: 5,40
